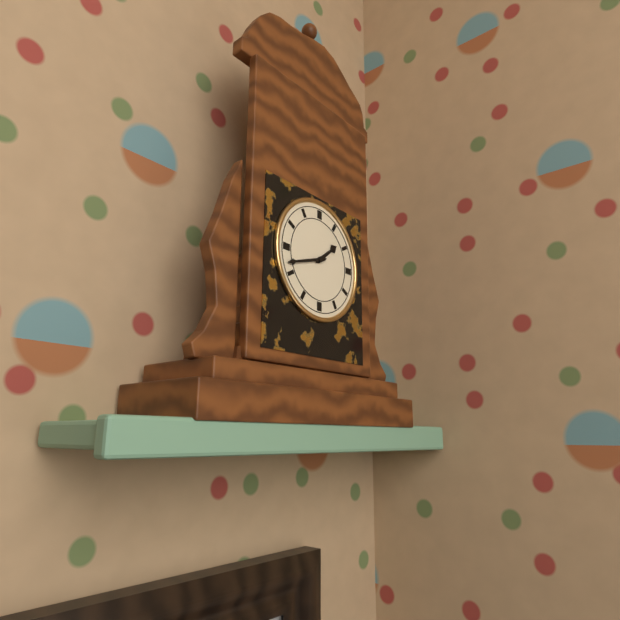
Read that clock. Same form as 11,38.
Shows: 1,42
